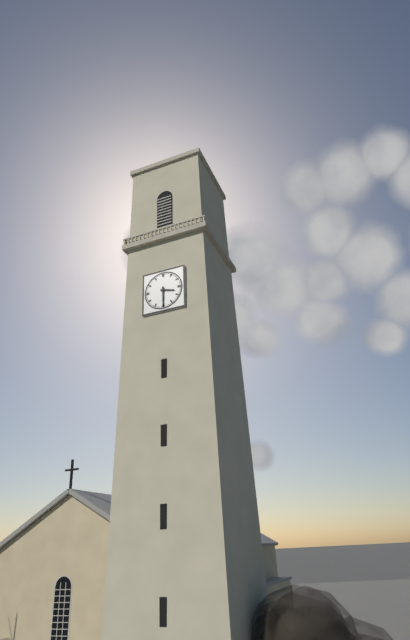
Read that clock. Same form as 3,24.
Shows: 3,30
